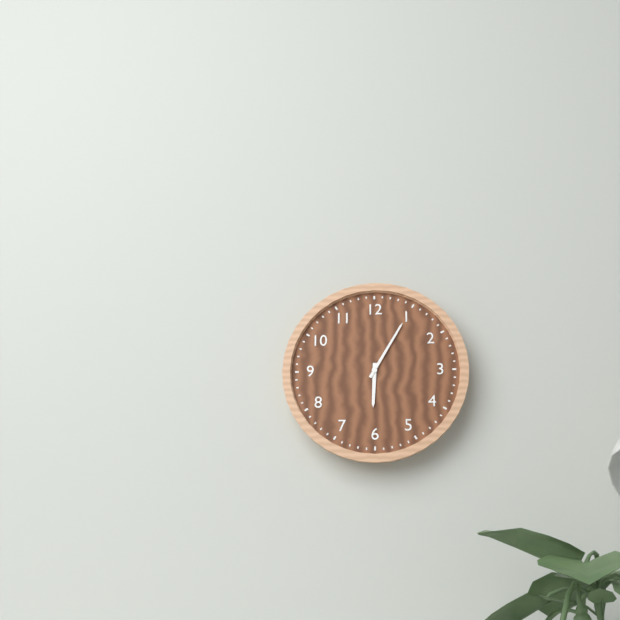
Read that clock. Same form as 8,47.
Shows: 6,05
